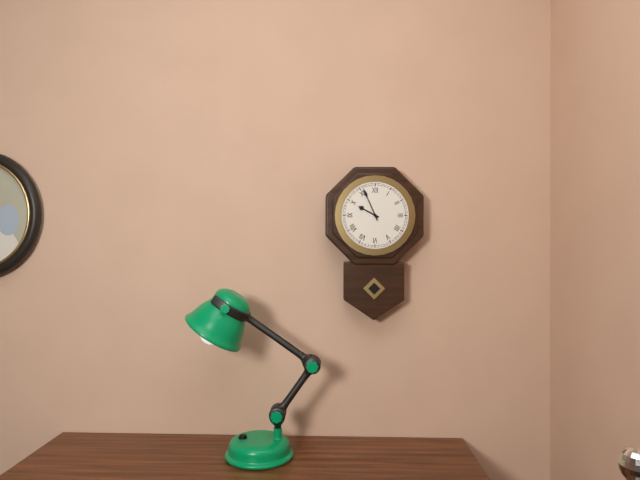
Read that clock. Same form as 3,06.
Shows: 9,56
